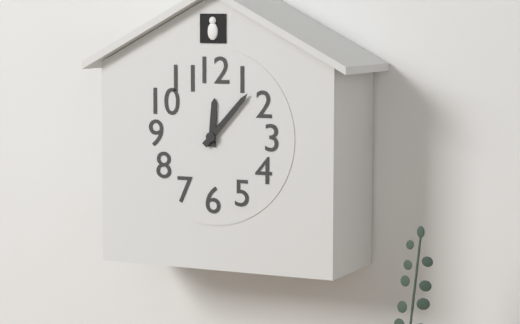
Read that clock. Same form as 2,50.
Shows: 12,07
